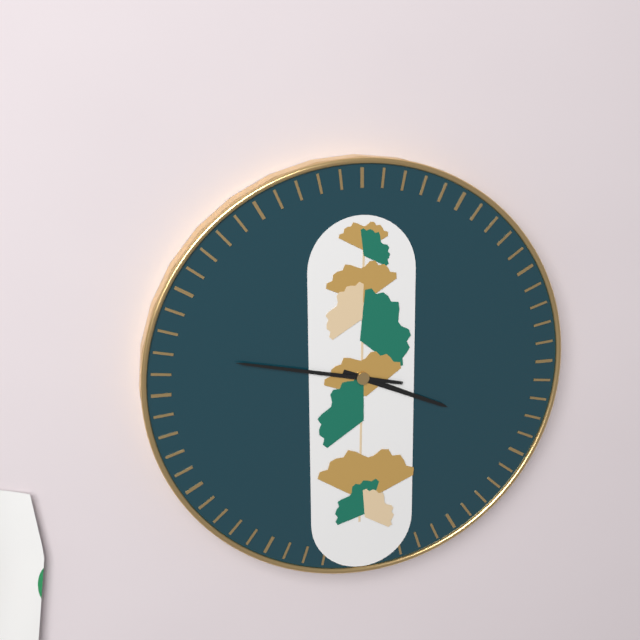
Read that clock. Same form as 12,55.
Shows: 3,47
